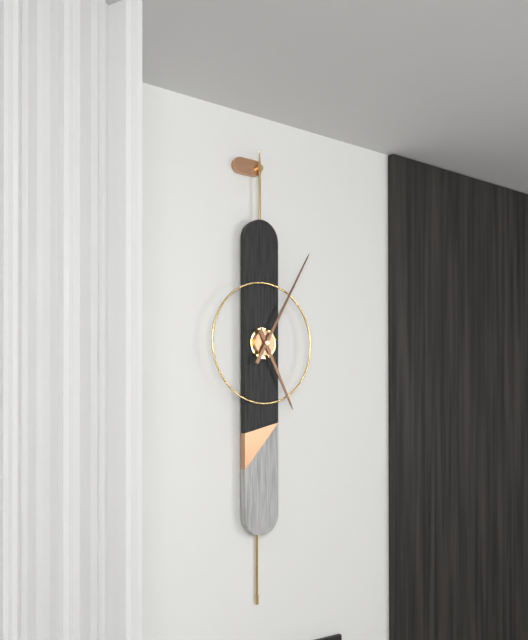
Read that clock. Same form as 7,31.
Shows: 5,05
